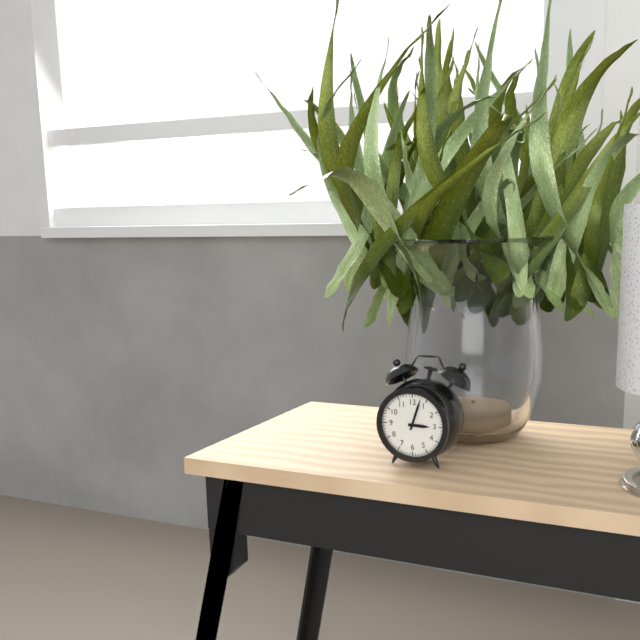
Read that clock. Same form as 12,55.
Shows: 3,03
